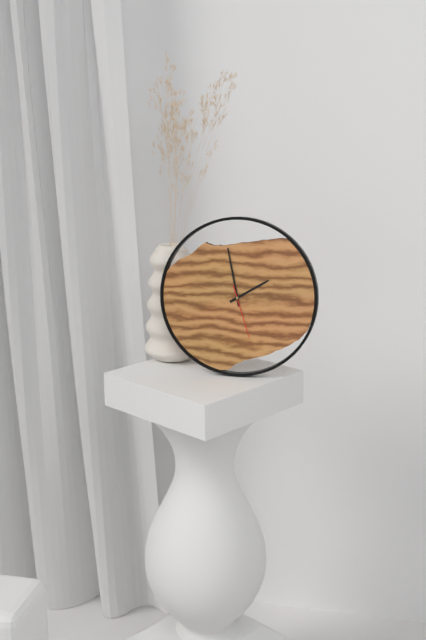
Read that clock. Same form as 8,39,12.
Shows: 1,58,27
